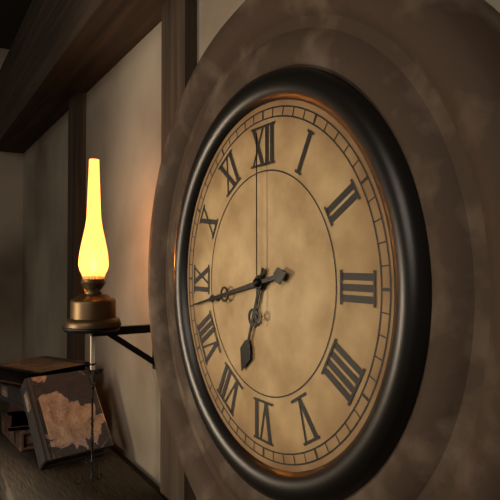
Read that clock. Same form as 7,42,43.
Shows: 6,43,00
